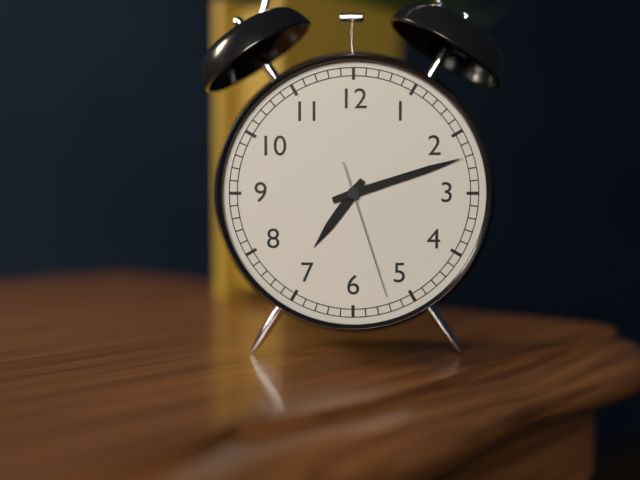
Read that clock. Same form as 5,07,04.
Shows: 7,12,27
